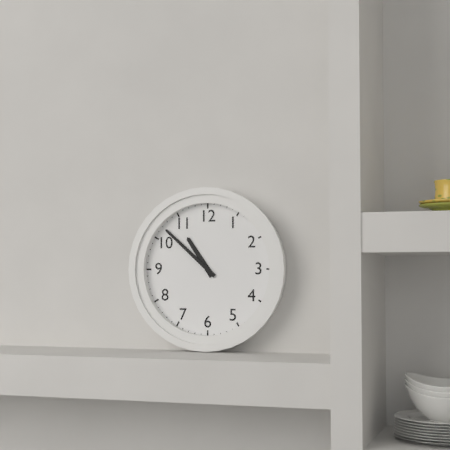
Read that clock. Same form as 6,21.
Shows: 10,52
